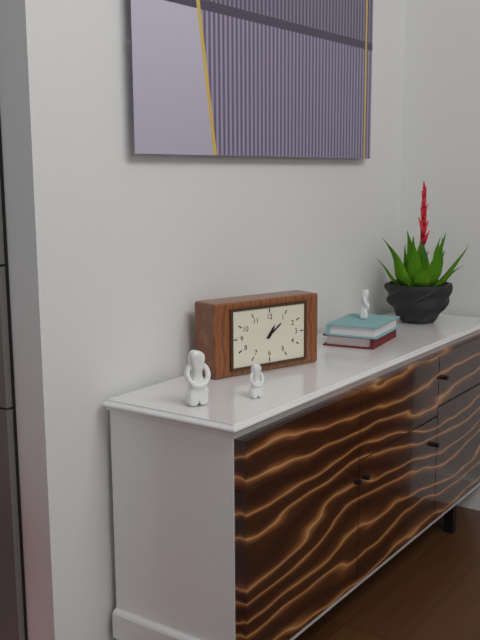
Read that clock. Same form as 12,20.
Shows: 1,09
